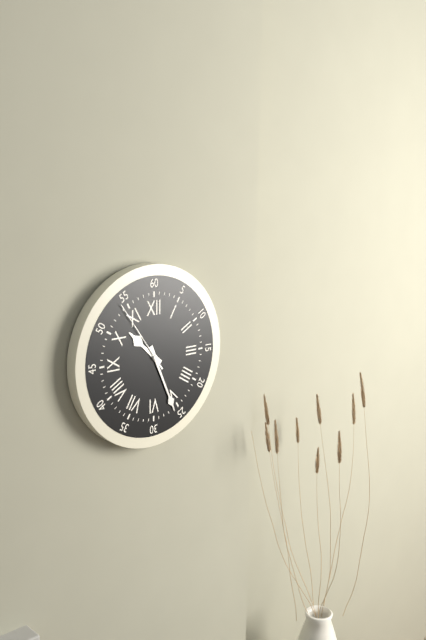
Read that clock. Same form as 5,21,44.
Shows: 10,26,54
